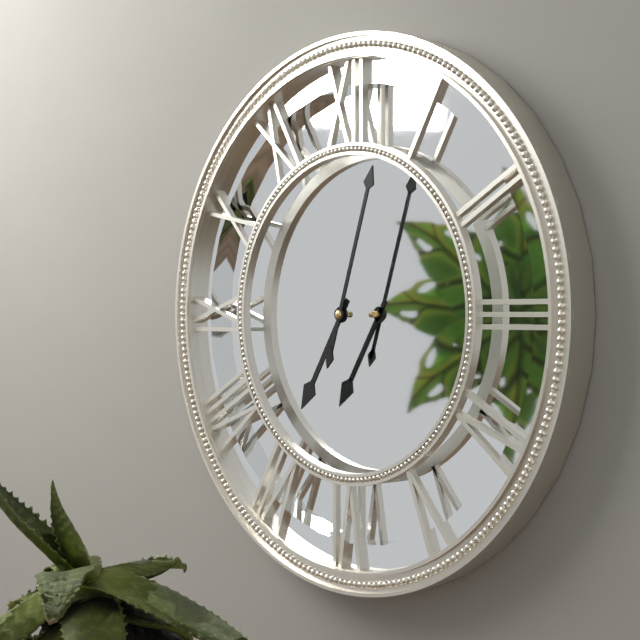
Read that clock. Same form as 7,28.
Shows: 7,03
